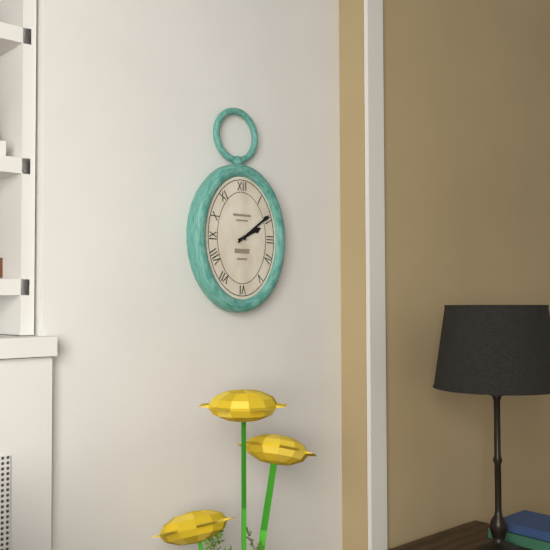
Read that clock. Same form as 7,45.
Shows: 2,09
